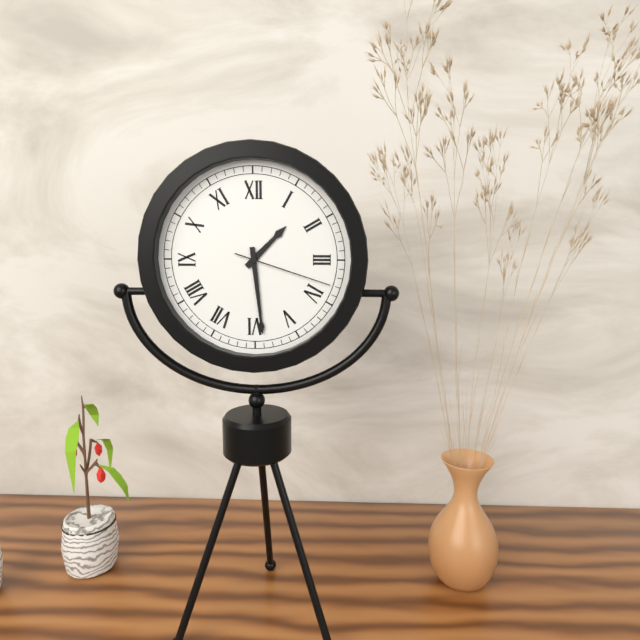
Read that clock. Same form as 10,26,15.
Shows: 1,29,18
